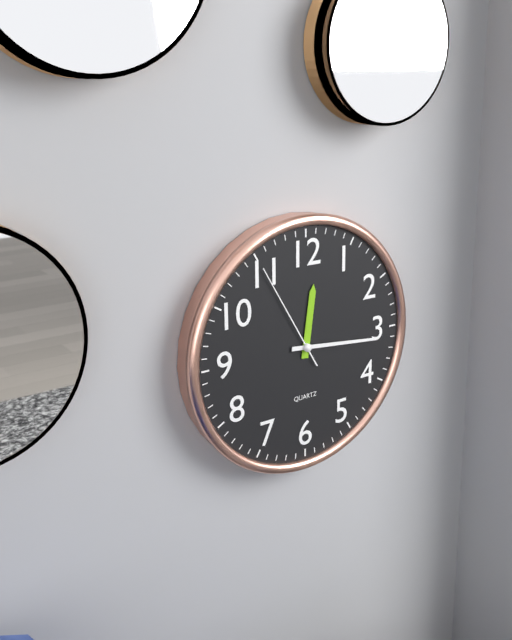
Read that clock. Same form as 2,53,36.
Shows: 12,16,55
